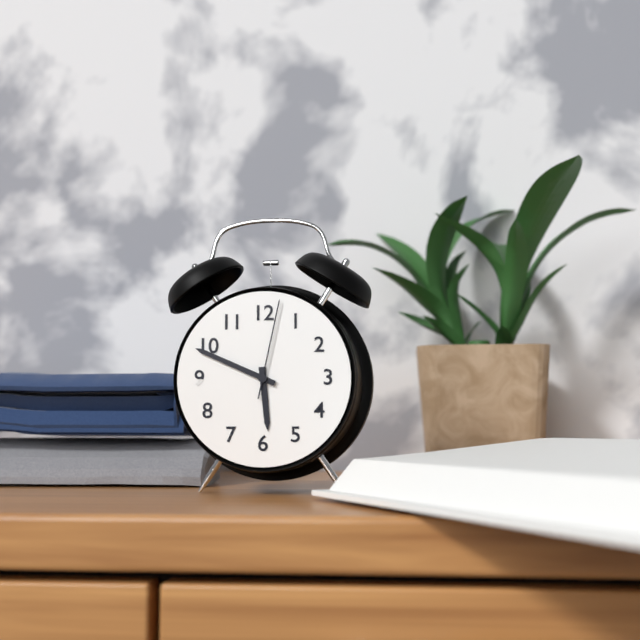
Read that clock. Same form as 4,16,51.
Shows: 5,49,02
